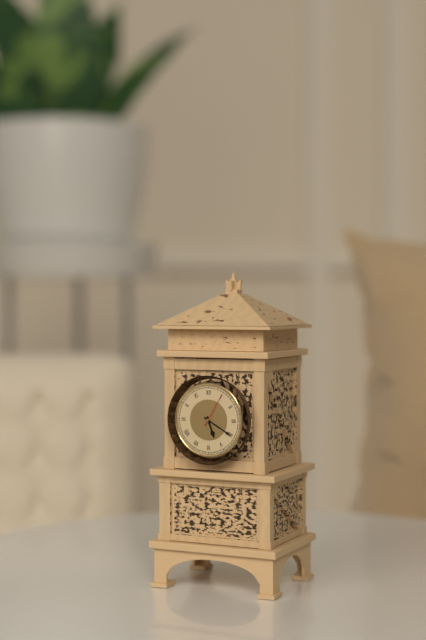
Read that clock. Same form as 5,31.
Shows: 5,20
